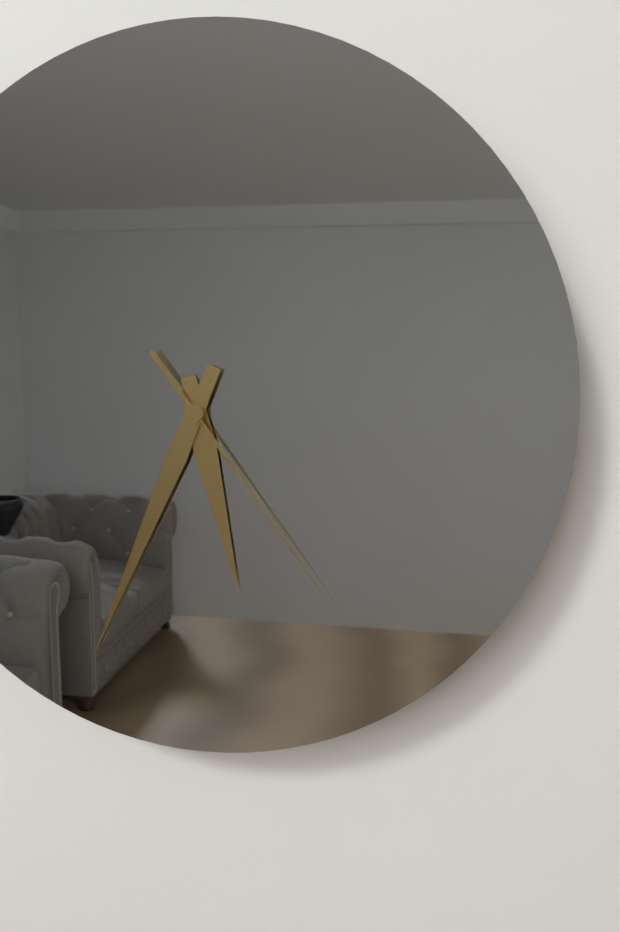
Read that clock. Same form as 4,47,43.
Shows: 5,34,24
